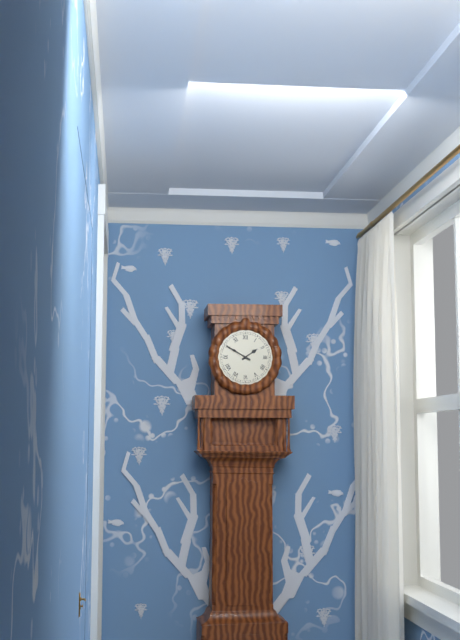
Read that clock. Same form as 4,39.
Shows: 1,50
